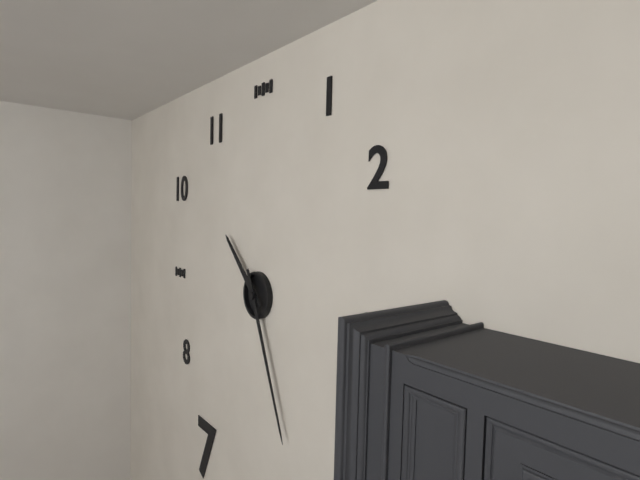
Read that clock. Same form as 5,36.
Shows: 10,26
